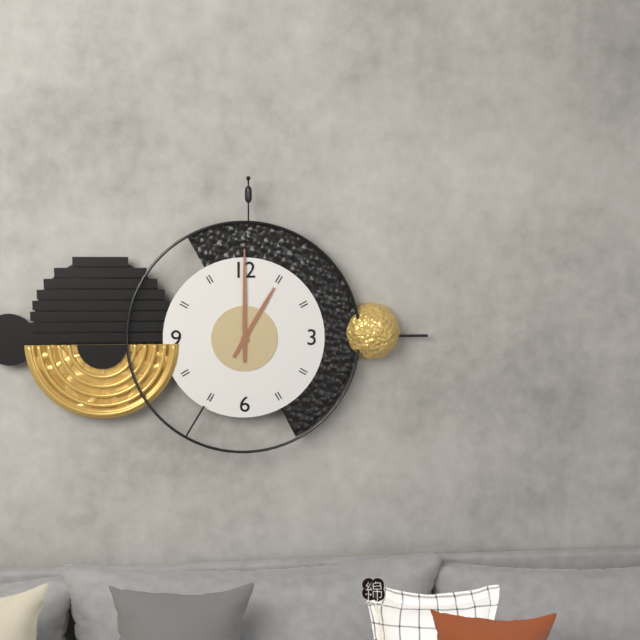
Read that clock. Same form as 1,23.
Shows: 1,00
